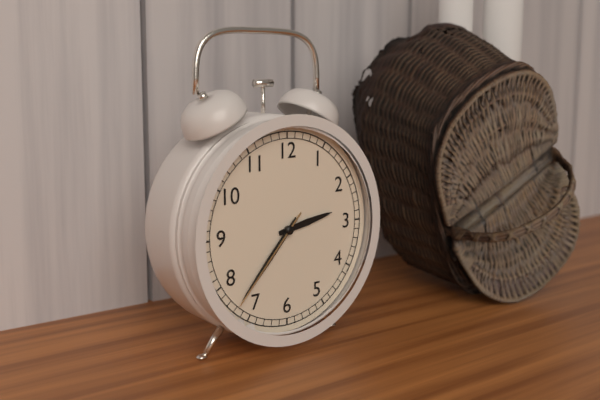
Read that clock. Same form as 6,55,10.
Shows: 2,37,37
